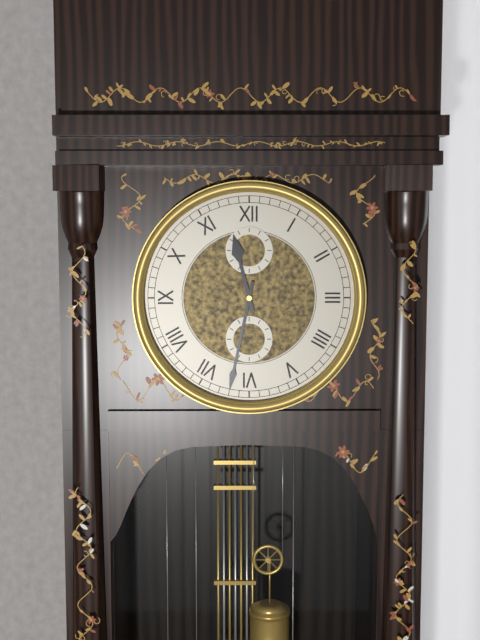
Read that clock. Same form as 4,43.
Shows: 11,32
